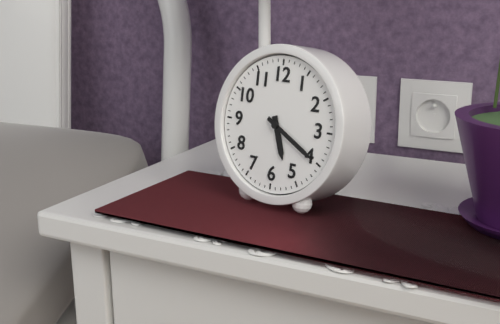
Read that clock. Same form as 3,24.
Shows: 5,20
